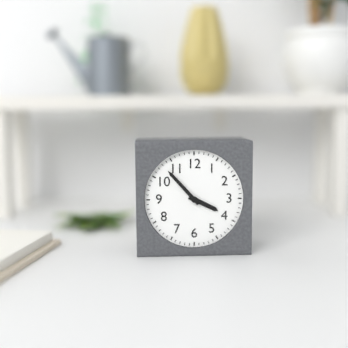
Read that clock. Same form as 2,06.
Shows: 3,53
